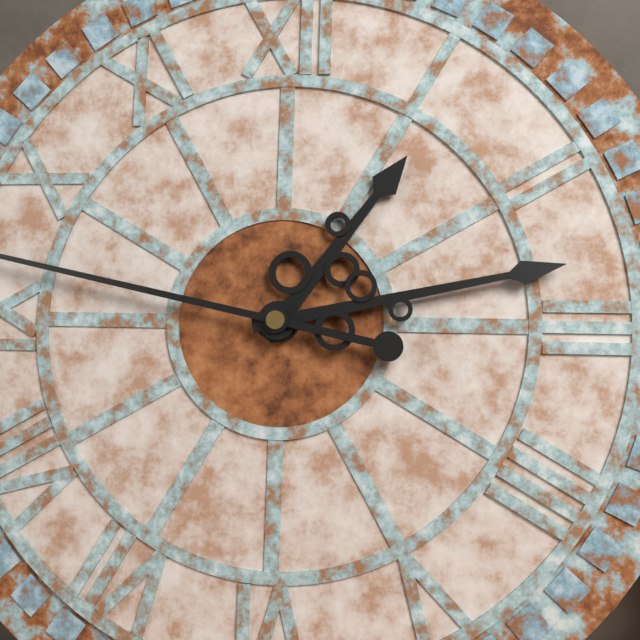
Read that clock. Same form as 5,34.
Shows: 1,13
